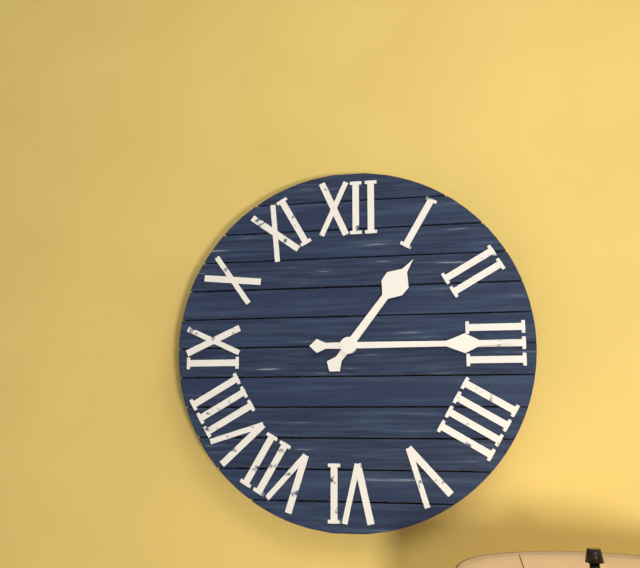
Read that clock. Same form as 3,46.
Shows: 1,15
